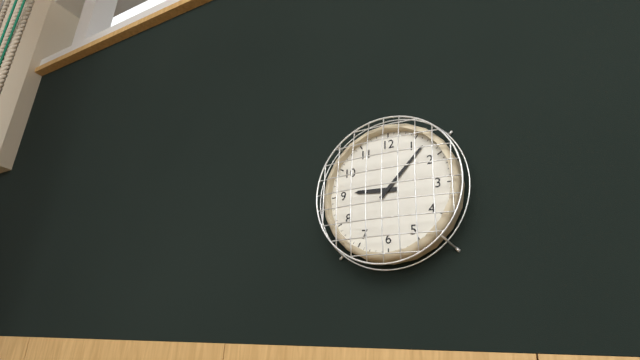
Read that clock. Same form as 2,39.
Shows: 9,07
